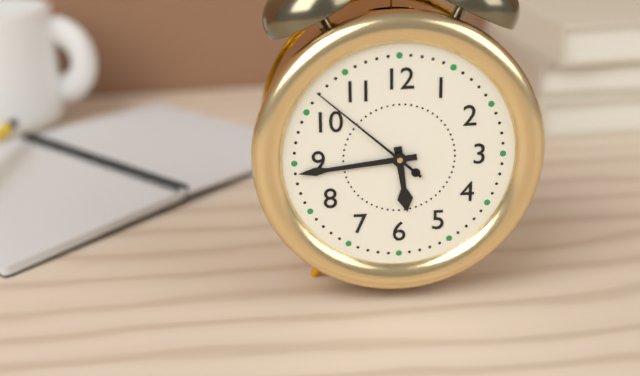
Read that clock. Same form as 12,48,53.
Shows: 5,44,52
